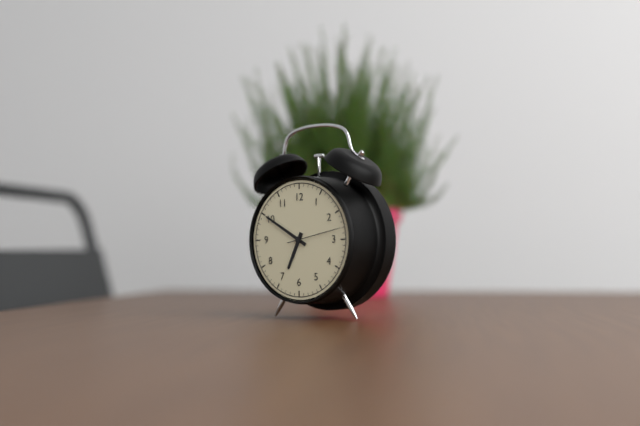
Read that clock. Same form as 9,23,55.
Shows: 6,50,13
